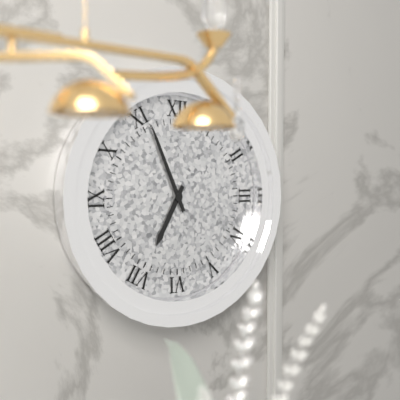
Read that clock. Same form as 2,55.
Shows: 6,56
